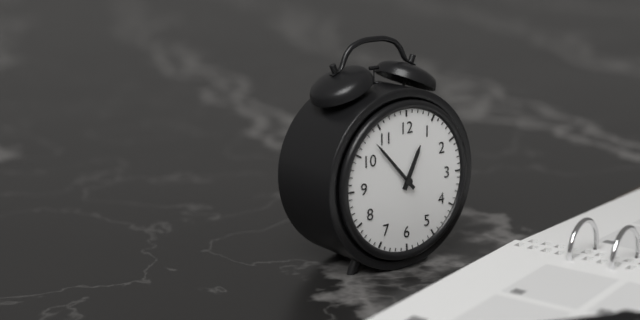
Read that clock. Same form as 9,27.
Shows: 12,53
